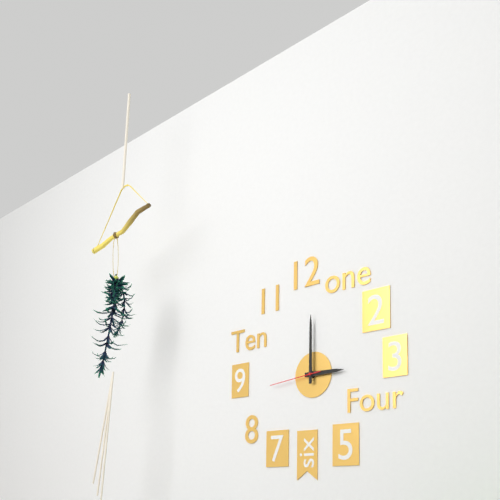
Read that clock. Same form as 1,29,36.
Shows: 3,00,44
